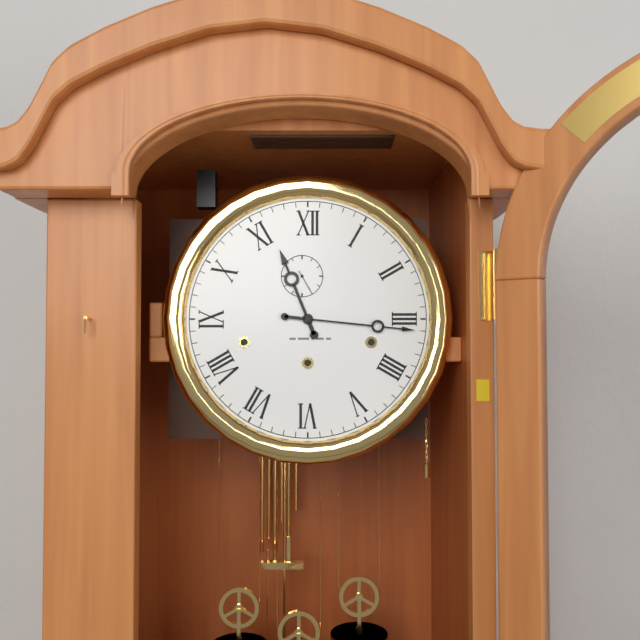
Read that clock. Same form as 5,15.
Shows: 11,16
